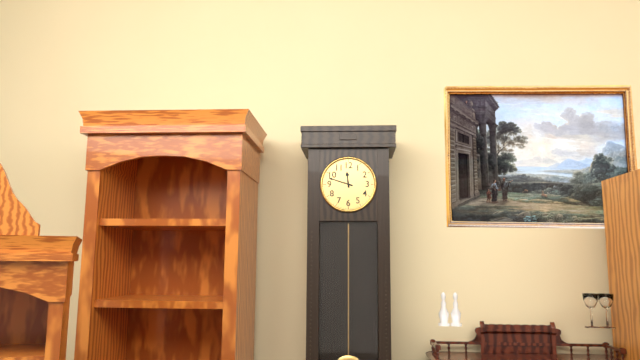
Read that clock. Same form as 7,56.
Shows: 11,48
